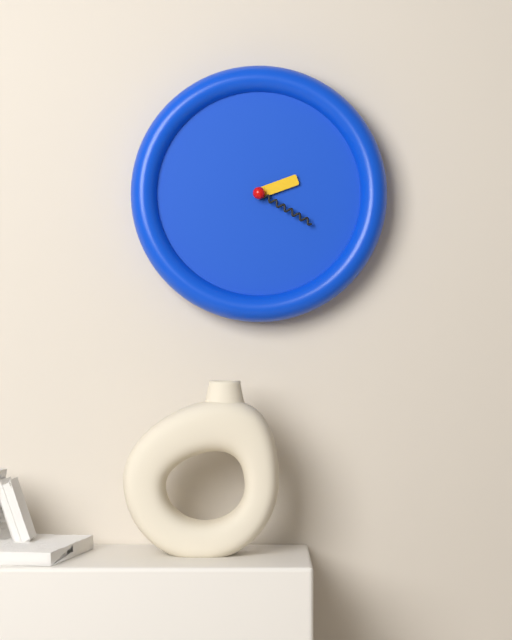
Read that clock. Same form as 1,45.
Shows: 2,20
